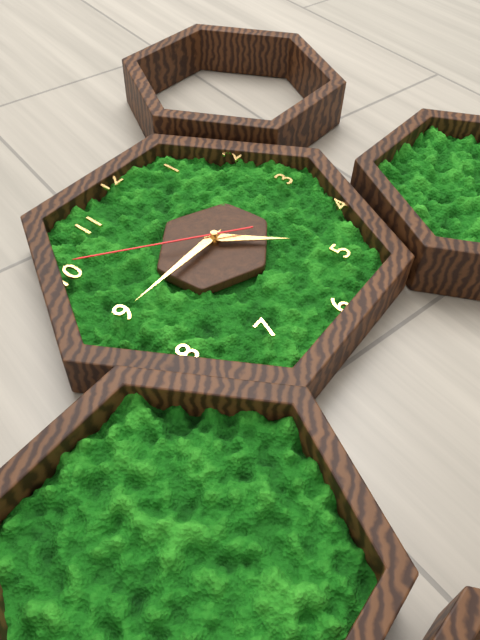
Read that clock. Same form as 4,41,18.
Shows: 4,45,51
